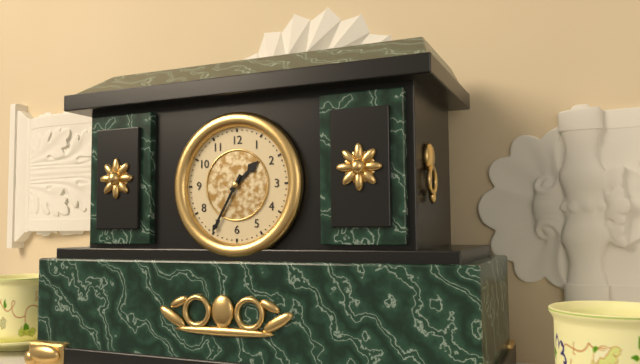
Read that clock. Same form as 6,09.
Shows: 1,35
